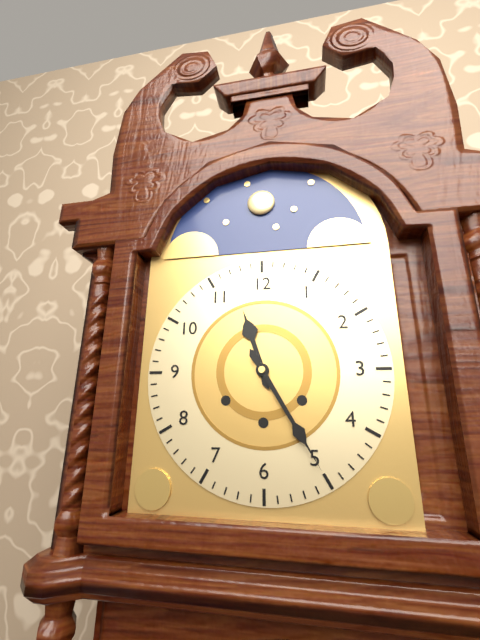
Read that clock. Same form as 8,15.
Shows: 11,25
